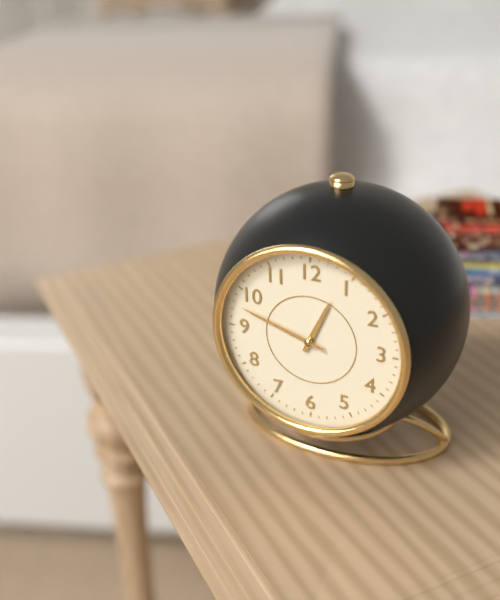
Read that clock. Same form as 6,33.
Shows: 12,48
